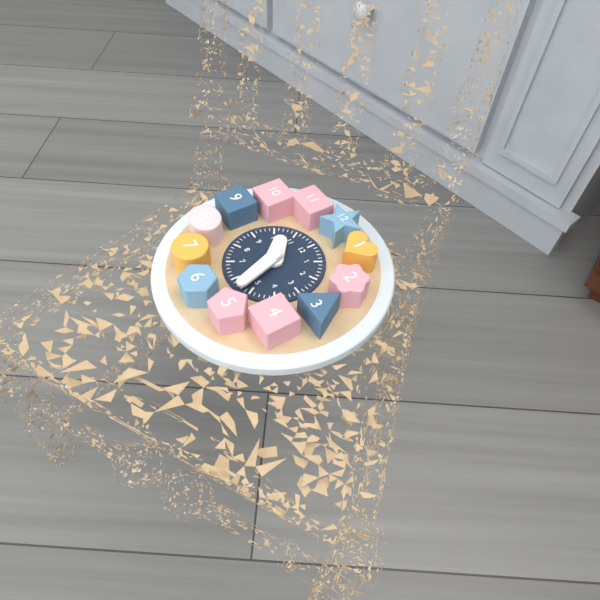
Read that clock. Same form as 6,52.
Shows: 10,27
